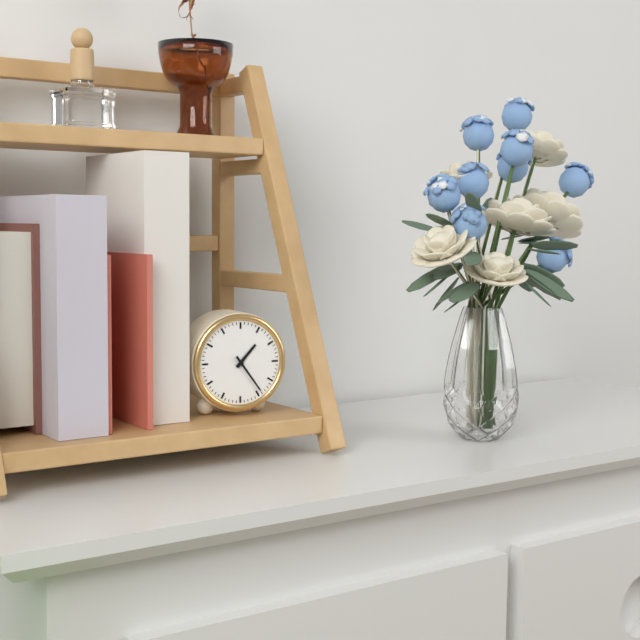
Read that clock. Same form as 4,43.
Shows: 1,24
